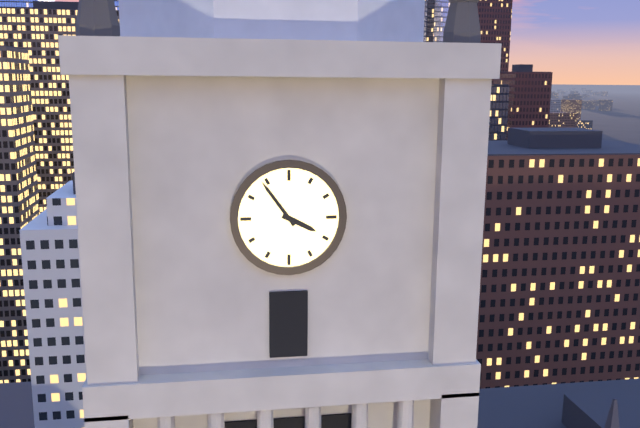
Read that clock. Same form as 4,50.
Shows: 3,54
